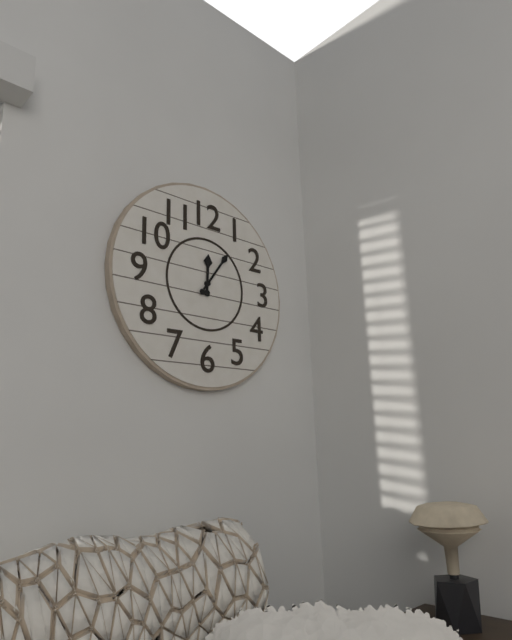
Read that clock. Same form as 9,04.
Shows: 12,06
